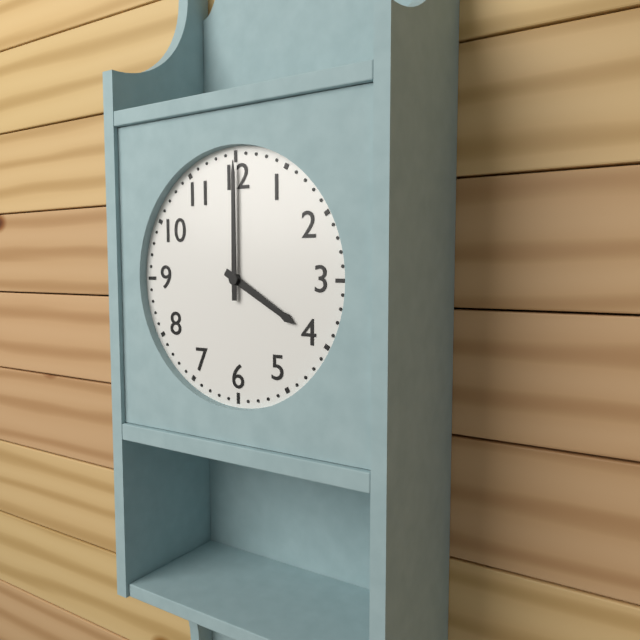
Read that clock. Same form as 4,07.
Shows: 4,00
